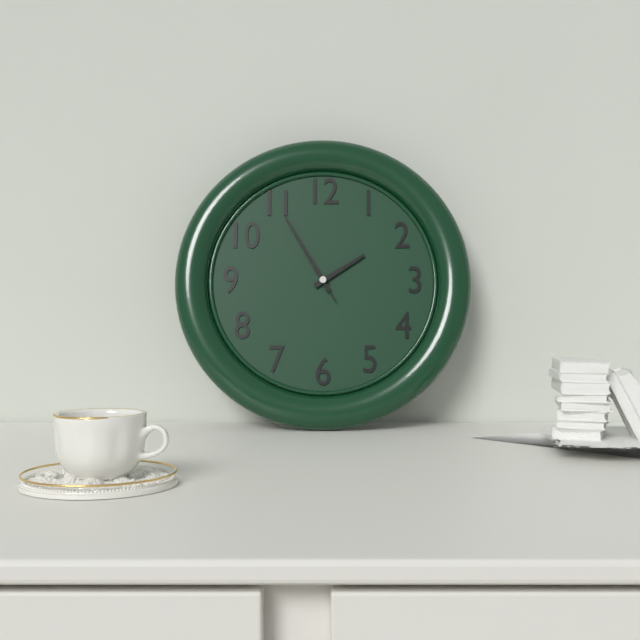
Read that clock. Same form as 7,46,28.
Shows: 1,55,55
